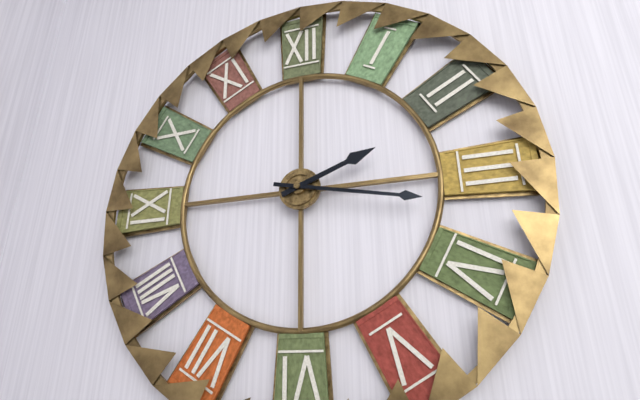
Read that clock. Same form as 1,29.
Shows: 2,17
